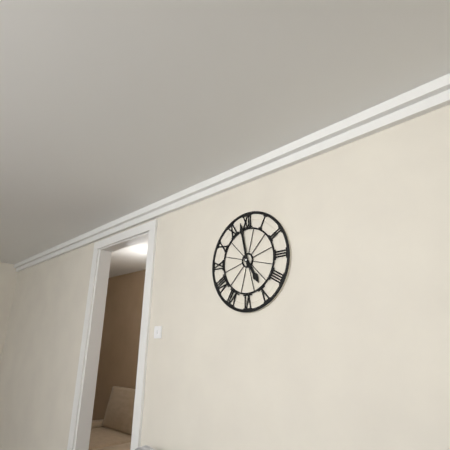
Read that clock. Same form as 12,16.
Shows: 4,58
